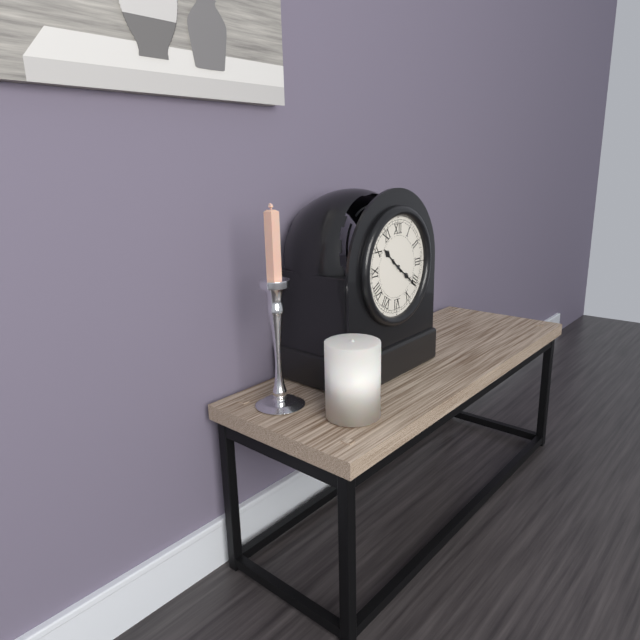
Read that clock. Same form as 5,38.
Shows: 10,21
